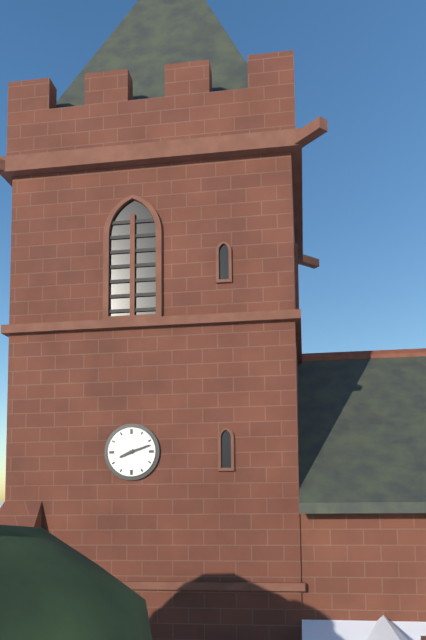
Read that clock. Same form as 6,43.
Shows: 8,12
